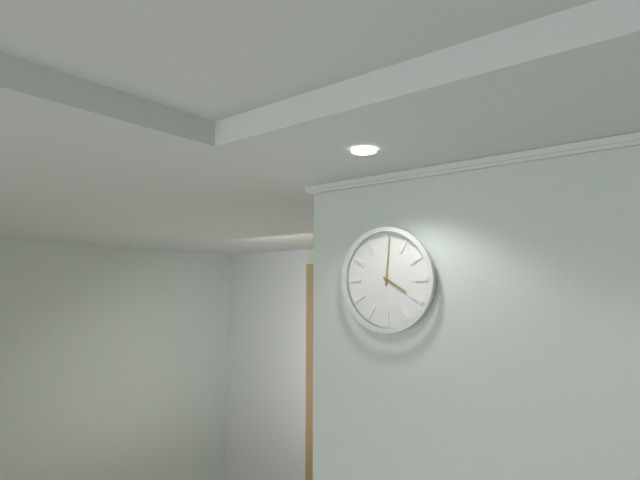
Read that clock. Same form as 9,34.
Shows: 4,01
